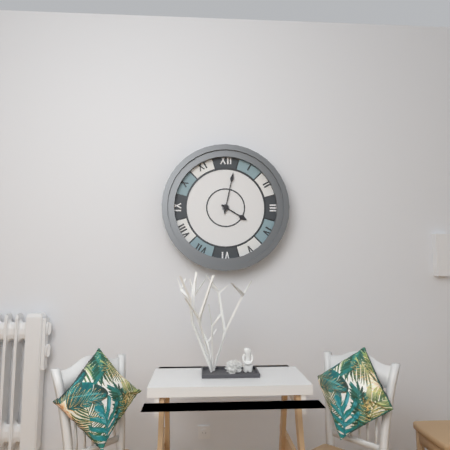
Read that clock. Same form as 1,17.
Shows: 4,02
